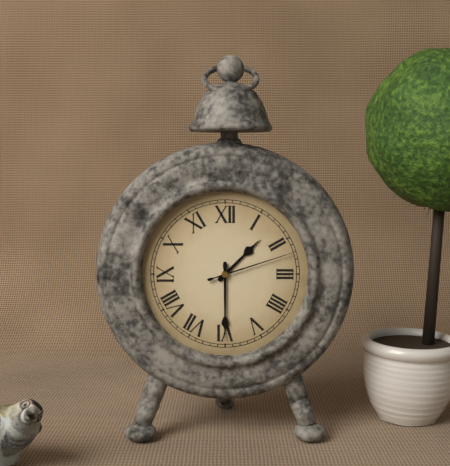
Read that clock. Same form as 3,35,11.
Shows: 1,30,12
